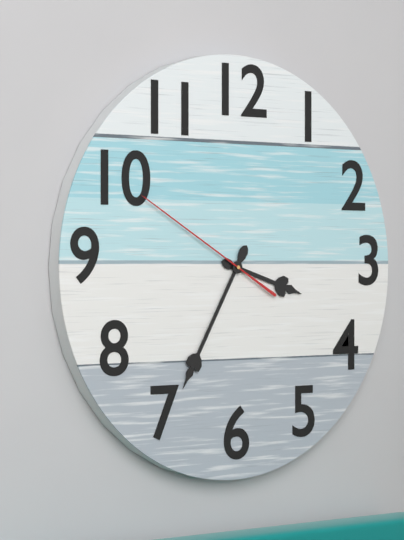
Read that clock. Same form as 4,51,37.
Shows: 3,35,50
